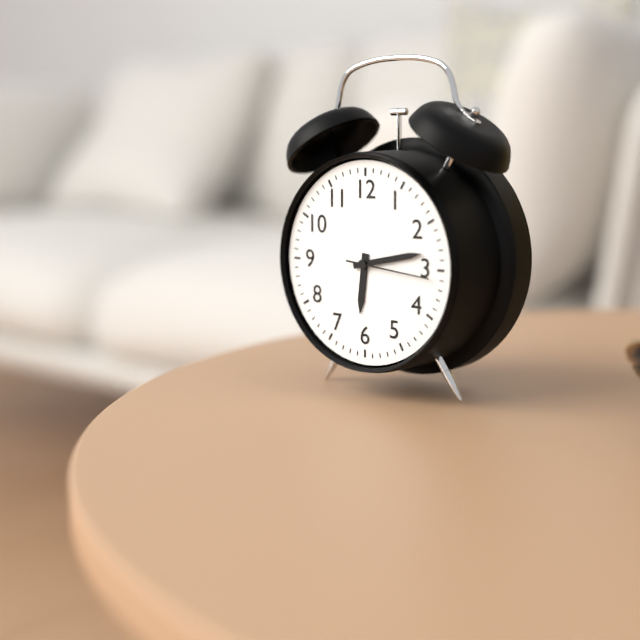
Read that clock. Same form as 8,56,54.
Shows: 6,13,16
